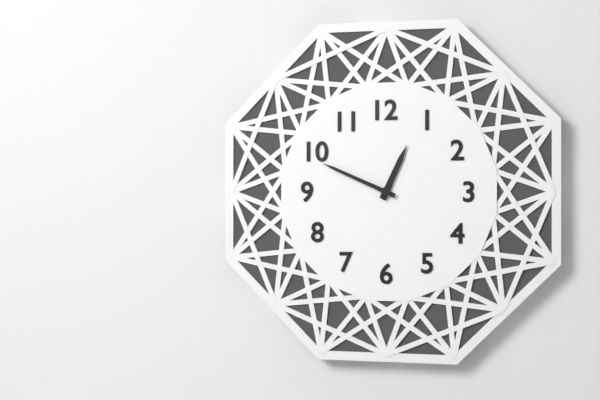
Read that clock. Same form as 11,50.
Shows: 12,49
